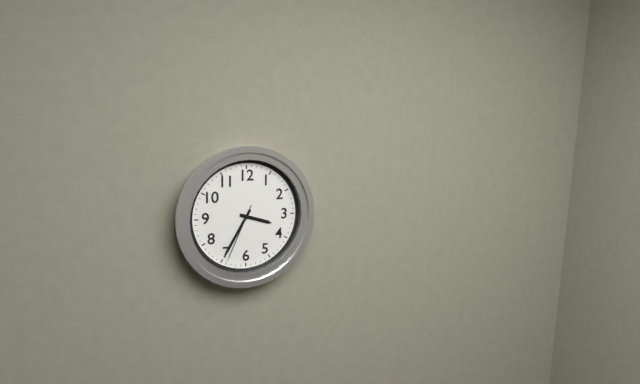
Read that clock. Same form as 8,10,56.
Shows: 3,35,34
